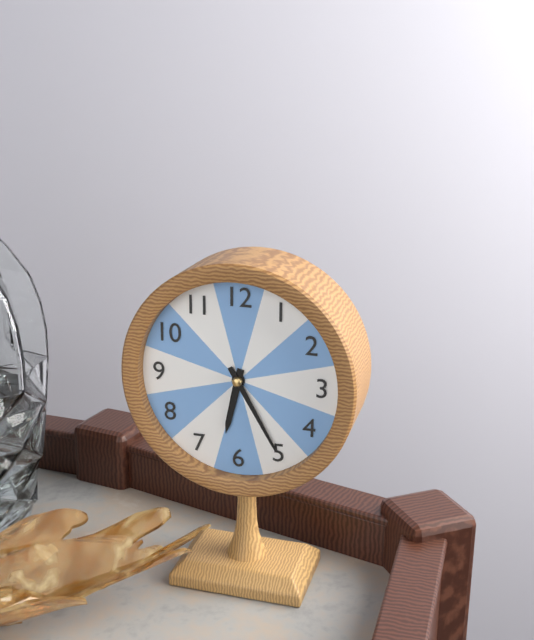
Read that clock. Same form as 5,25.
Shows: 6,25
